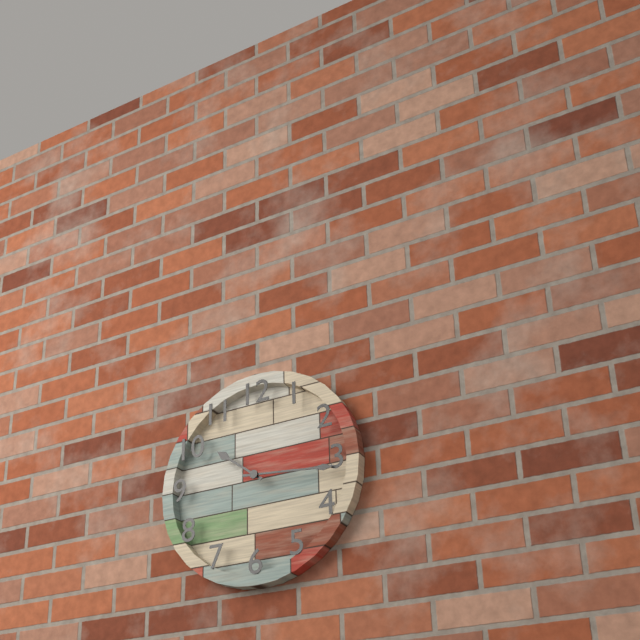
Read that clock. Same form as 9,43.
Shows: 10,16
